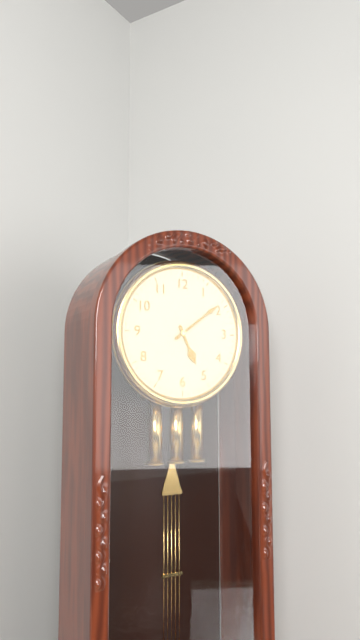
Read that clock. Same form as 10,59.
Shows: 5,09
